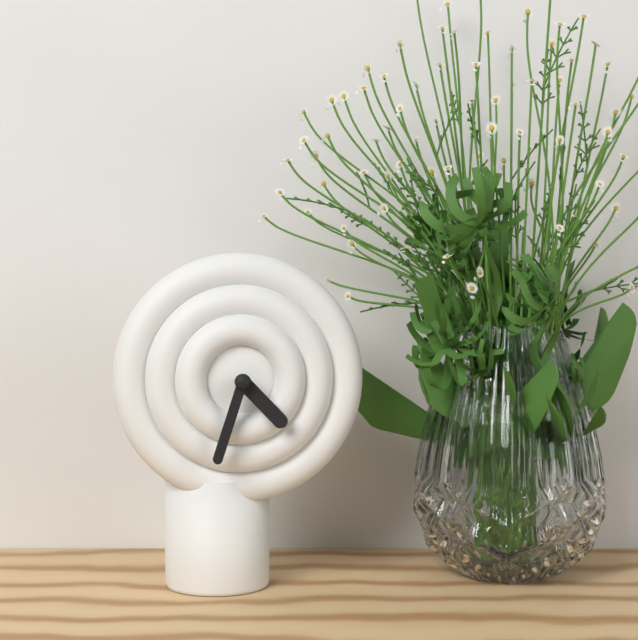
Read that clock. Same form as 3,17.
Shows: 4,33
